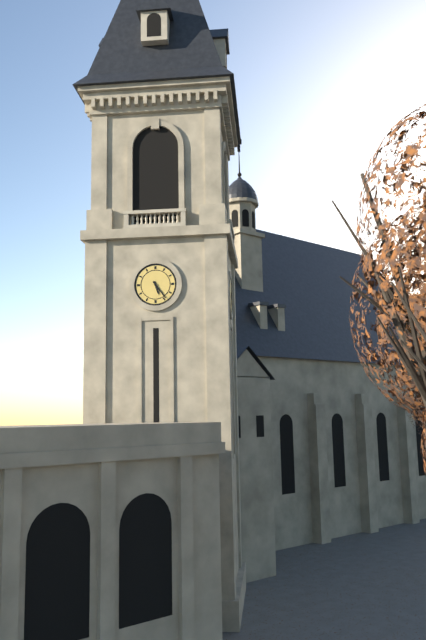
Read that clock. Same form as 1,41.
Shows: 5,24
